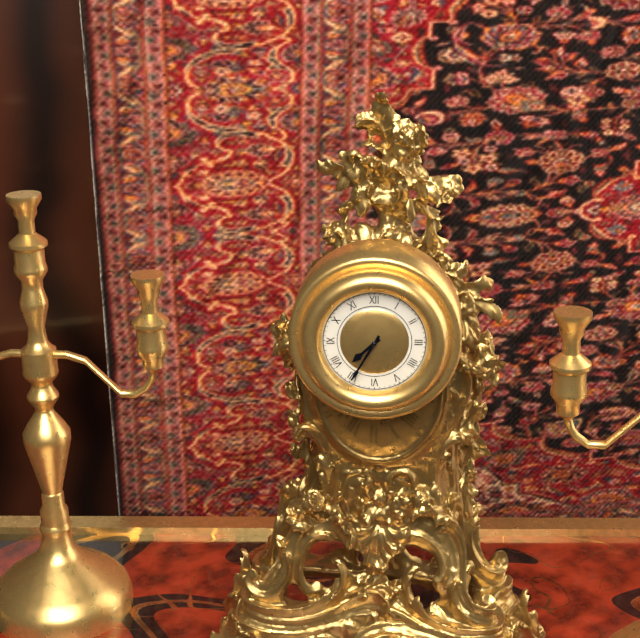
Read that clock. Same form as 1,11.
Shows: 7,35
